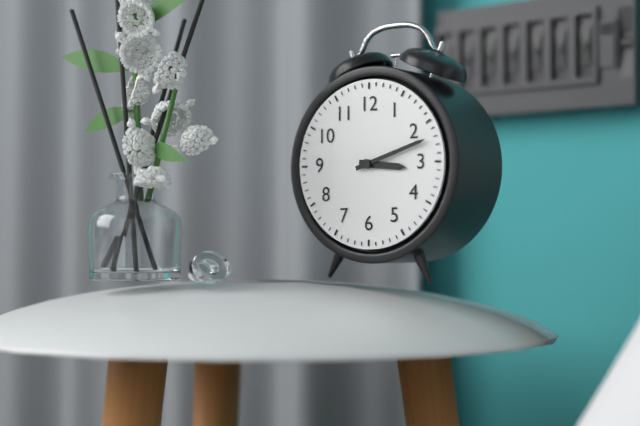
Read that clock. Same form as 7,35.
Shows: 3,12
